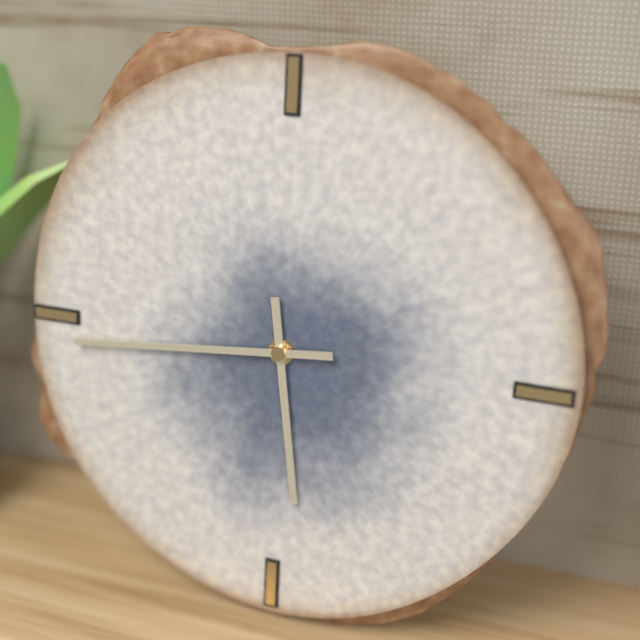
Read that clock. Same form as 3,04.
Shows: 5,44
